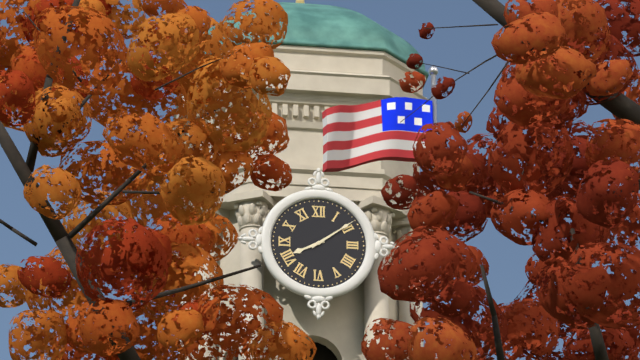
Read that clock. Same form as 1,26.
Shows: 8,09
